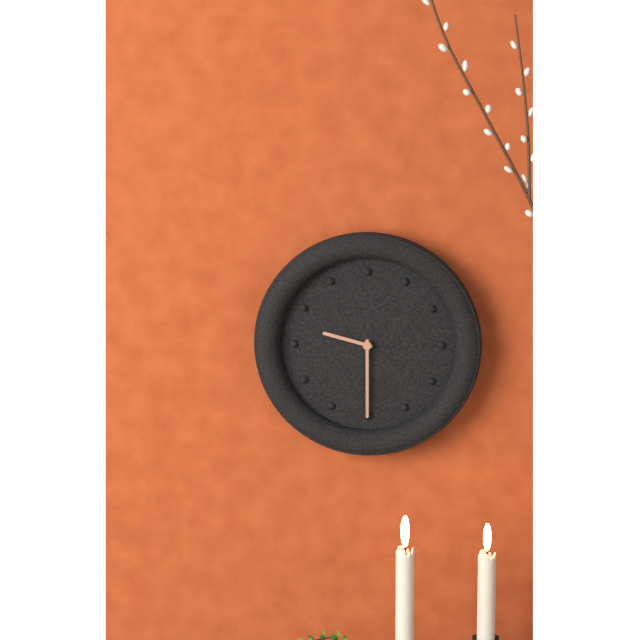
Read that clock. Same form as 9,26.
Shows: 9,30
